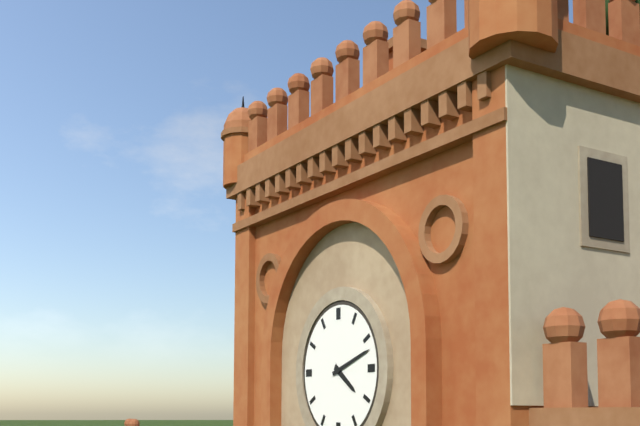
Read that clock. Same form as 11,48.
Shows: 4,12
